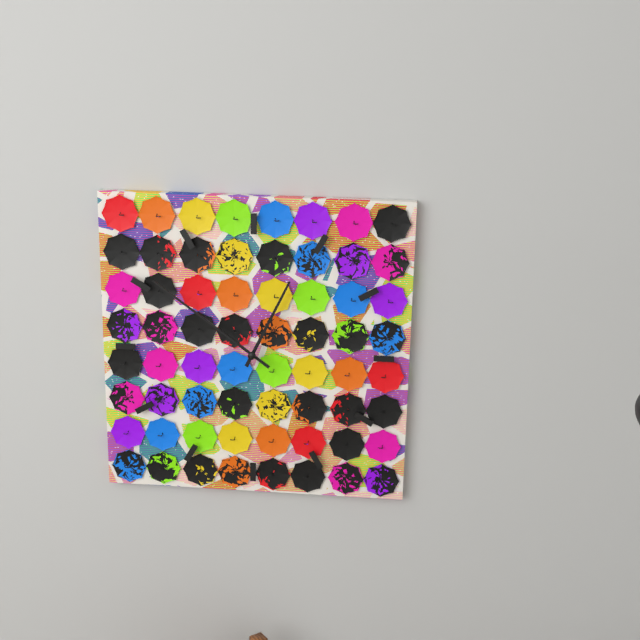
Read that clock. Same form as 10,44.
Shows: 12,51
